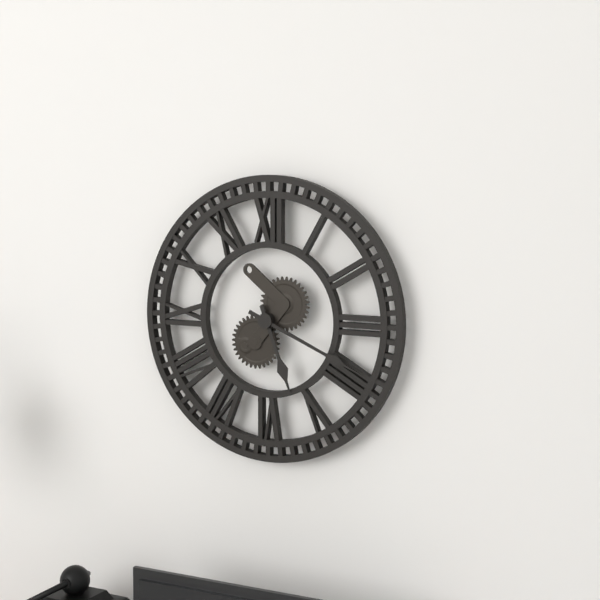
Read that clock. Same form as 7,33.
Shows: 5,19
